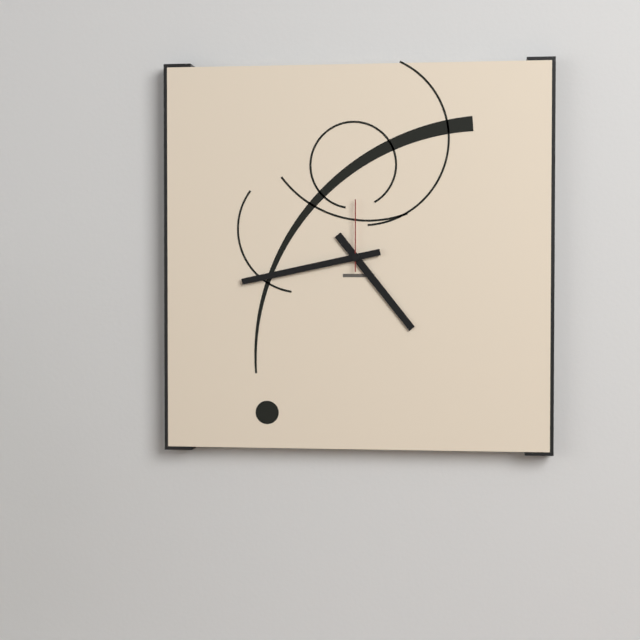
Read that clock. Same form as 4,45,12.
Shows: 4,43,00
